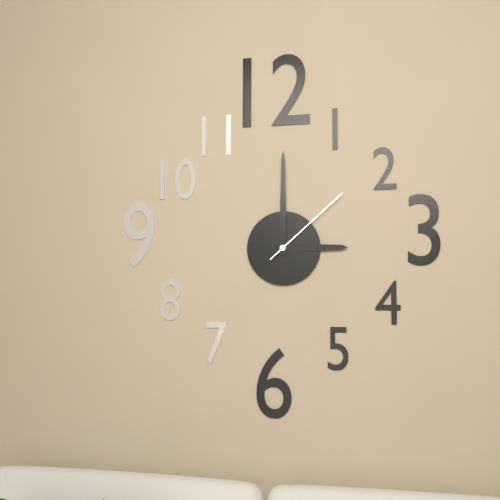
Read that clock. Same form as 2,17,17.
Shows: 3,00,08
